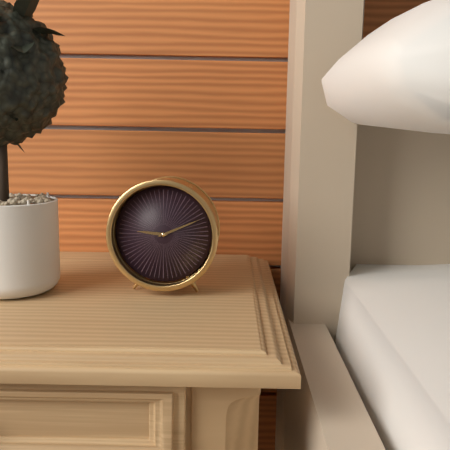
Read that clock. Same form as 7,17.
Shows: 9,11
